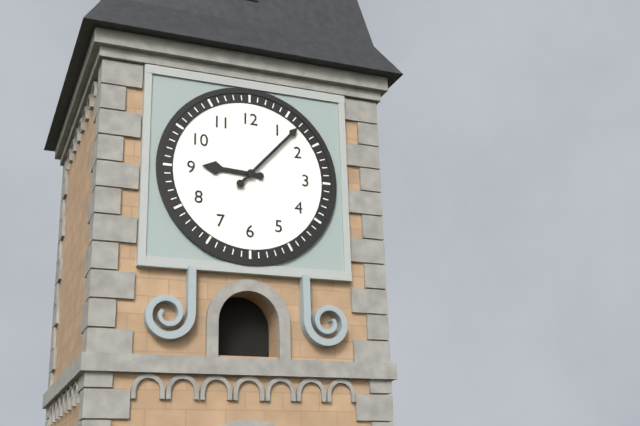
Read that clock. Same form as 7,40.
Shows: 9,07
